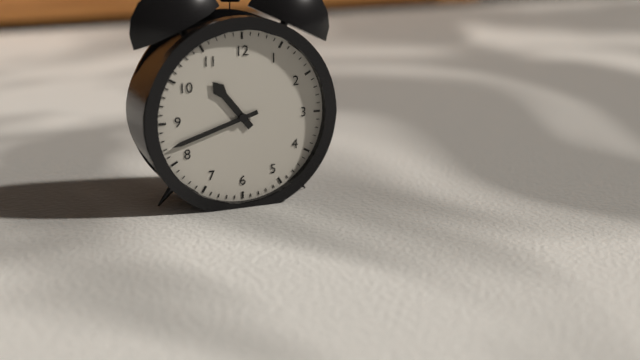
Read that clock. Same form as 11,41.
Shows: 10,42
